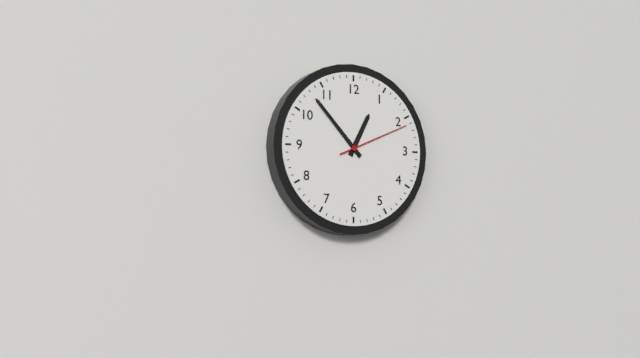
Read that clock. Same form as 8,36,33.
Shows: 12,53,11
